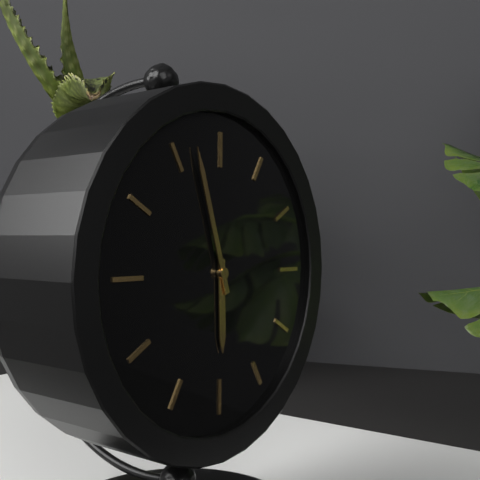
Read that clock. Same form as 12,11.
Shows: 5,57
